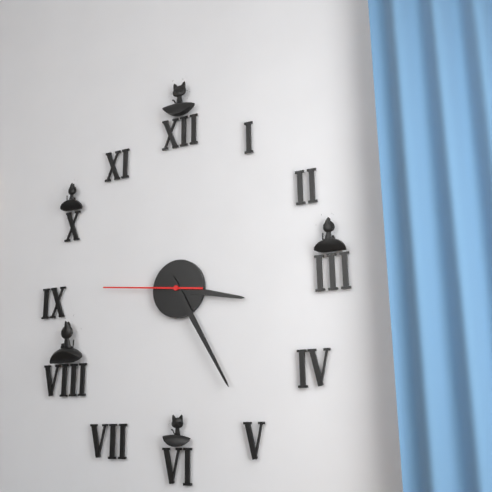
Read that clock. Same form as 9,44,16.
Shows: 3,25,46
